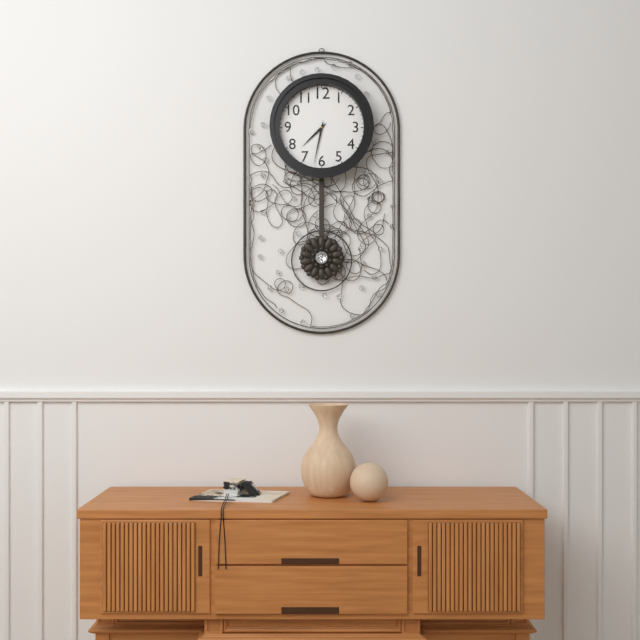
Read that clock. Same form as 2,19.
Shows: 7,32
